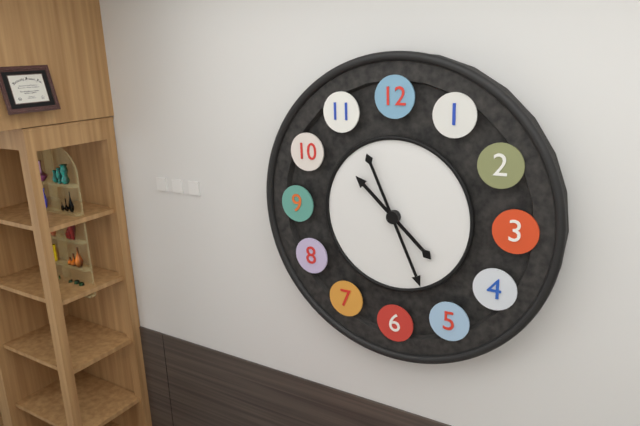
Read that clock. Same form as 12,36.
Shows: 10,26
